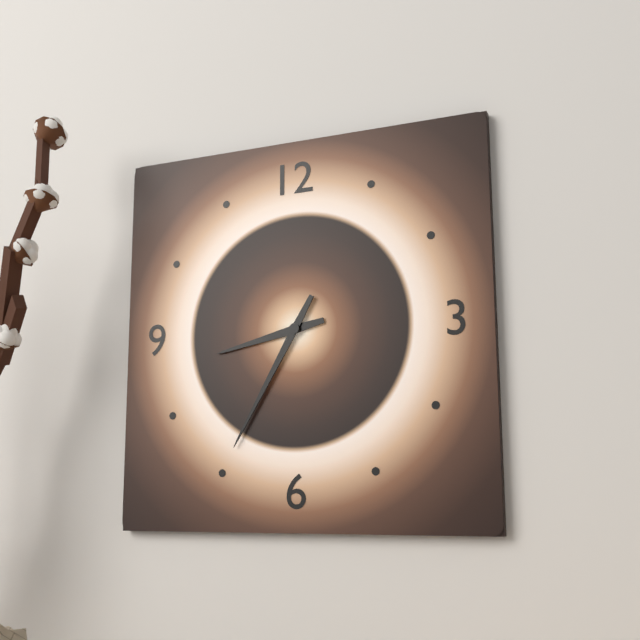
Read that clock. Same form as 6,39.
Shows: 8,35
